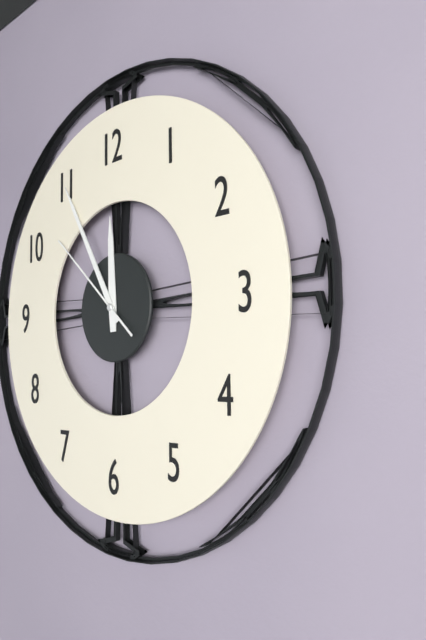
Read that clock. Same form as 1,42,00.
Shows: 11,55,52
